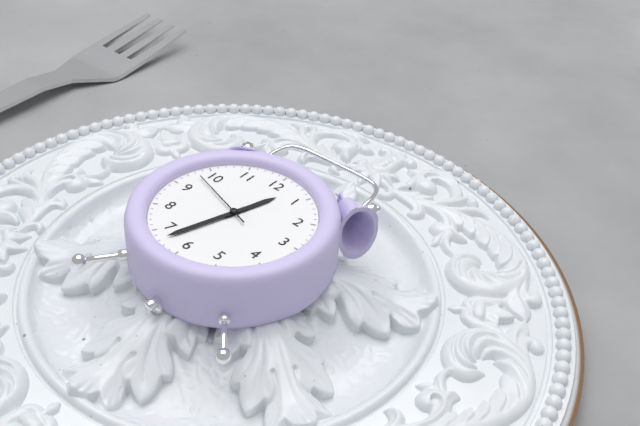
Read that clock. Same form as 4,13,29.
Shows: 12,33,48
